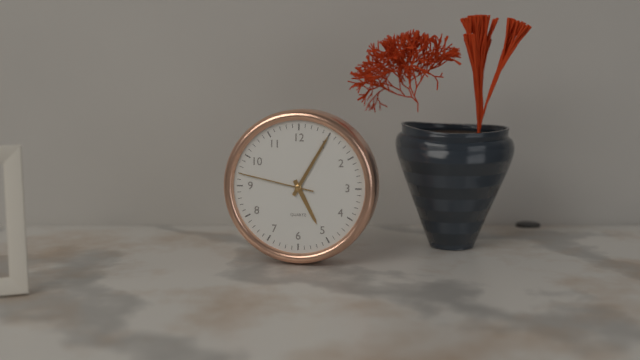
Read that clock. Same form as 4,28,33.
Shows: 5,05,47
